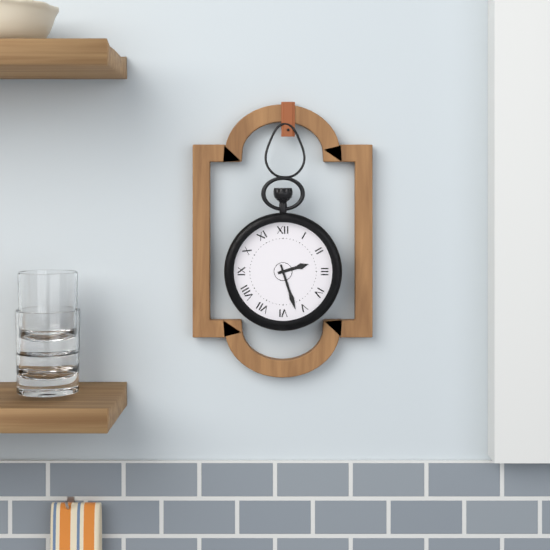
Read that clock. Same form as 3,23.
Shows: 2,27
